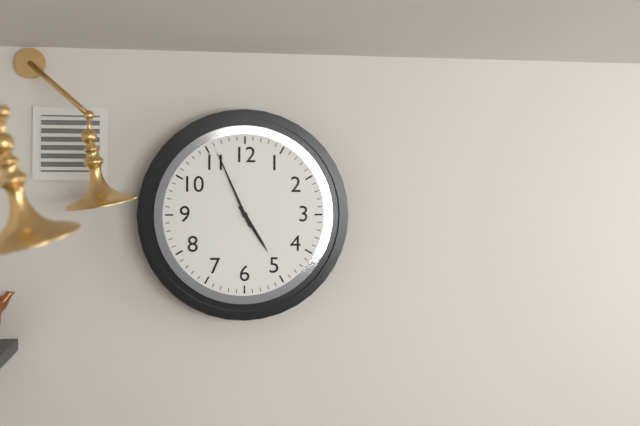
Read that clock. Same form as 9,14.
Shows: 4,56
